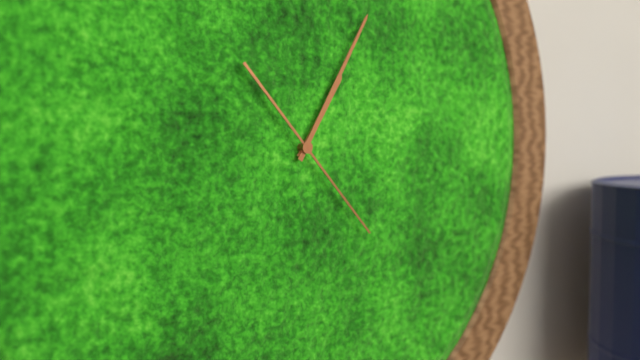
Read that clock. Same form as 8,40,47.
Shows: 1,05,23
